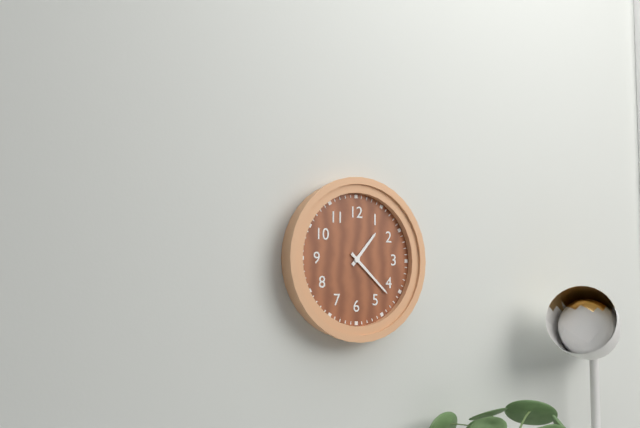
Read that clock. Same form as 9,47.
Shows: 1,22
